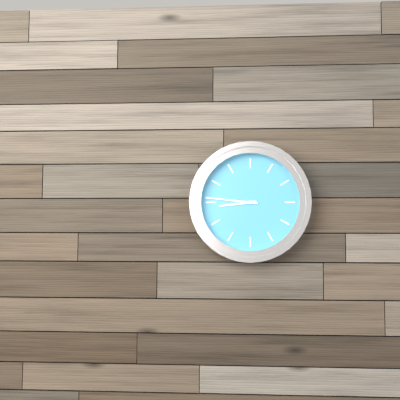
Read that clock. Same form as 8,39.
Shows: 8,46
